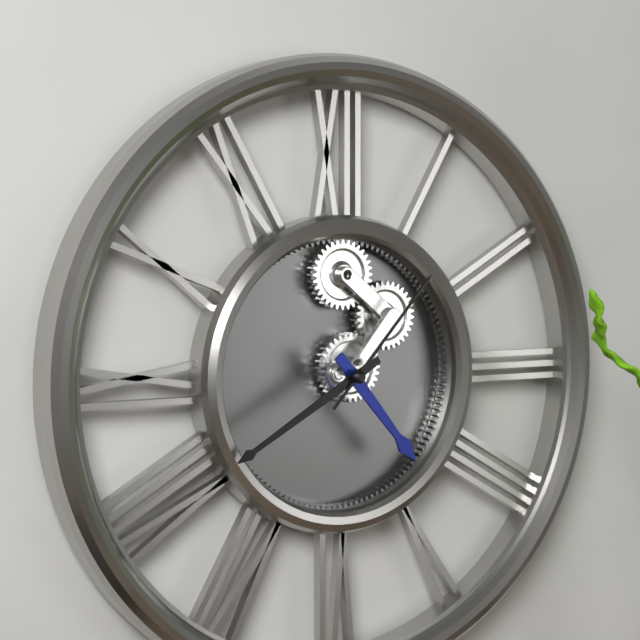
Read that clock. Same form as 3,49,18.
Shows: 4,40,07
